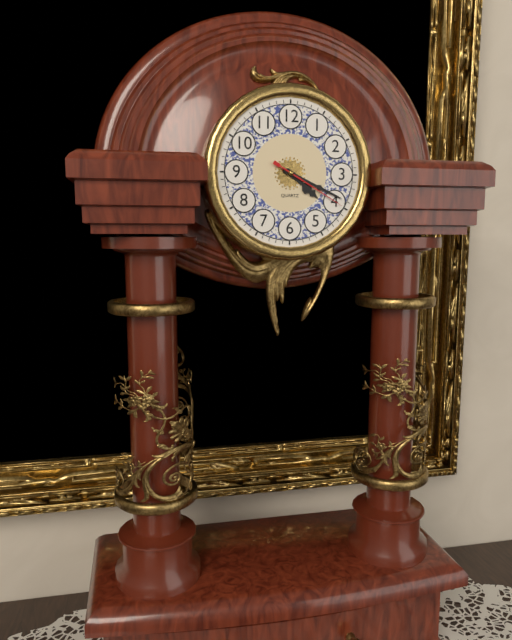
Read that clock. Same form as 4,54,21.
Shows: 4,19,20
